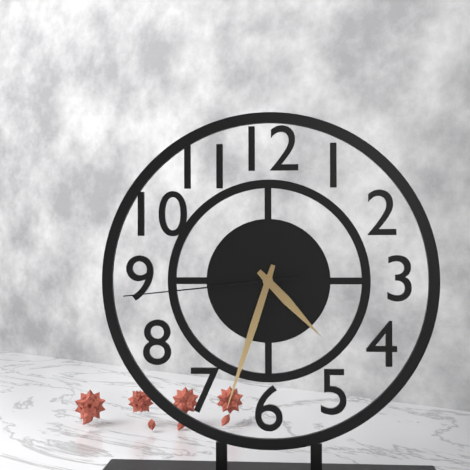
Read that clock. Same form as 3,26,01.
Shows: 4,33,44
